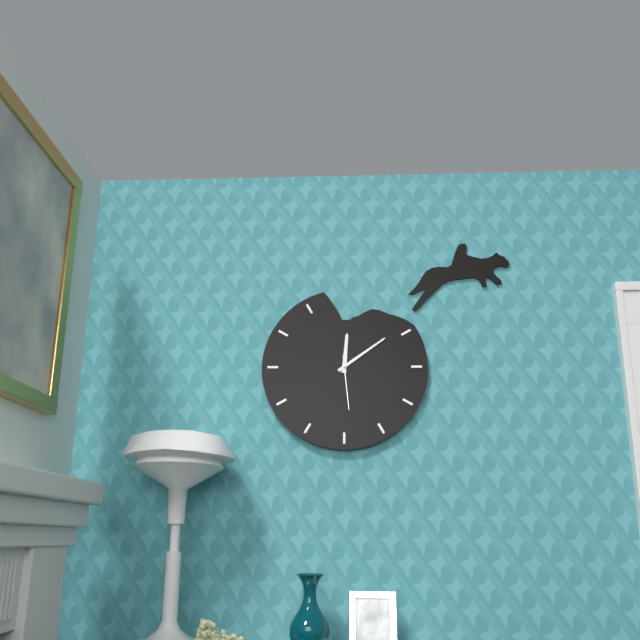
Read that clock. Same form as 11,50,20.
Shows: 12,09,29
